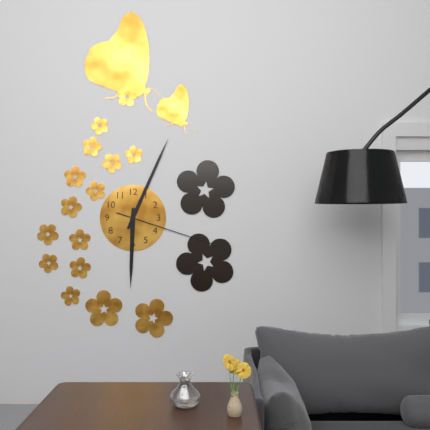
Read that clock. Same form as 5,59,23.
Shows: 6,04,18
